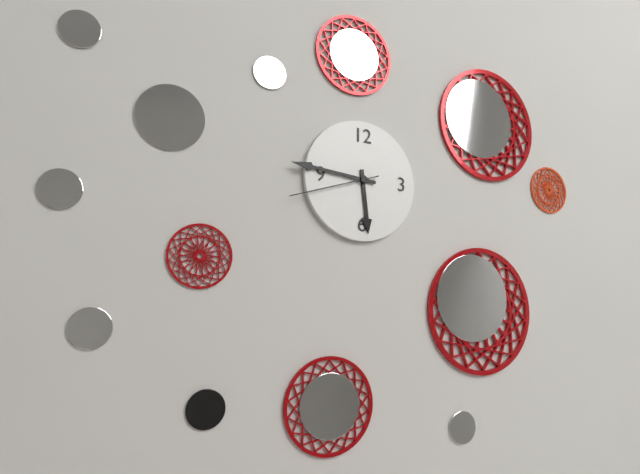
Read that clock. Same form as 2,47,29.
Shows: 5,46,42
